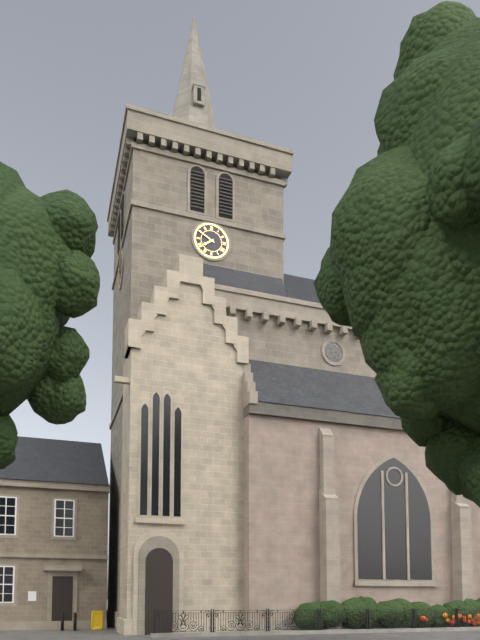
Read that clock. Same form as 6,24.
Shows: 7,50
